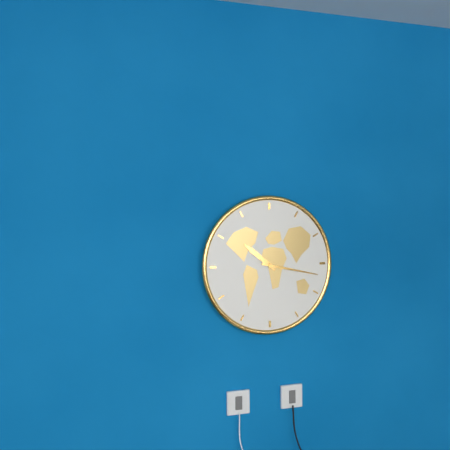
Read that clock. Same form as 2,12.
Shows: 10,17
